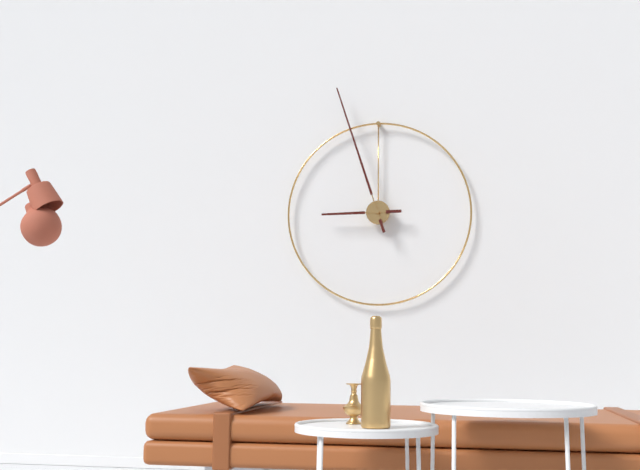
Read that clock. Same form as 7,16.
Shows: 8,57
